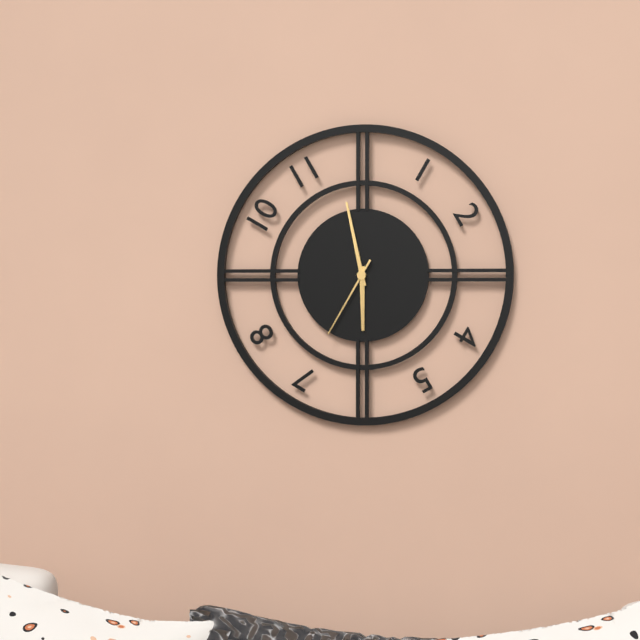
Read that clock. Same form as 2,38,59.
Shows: 5,58,35
